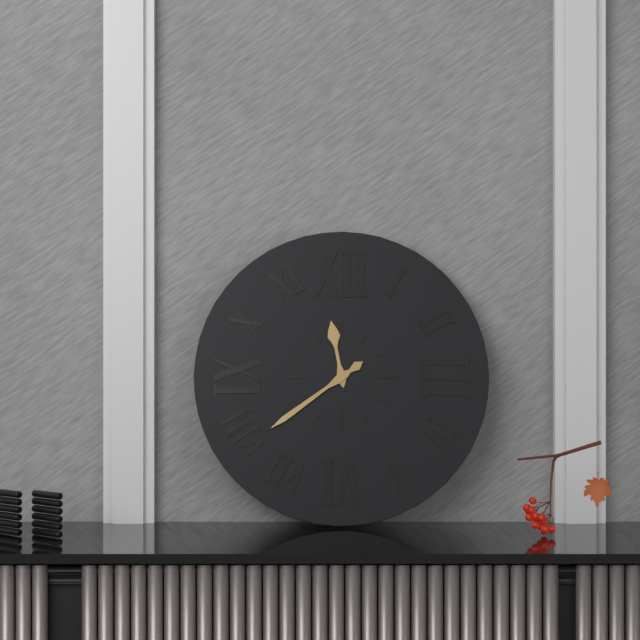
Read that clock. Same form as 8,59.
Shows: 11,39
